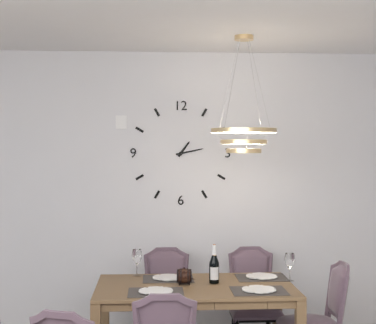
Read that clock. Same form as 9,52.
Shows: 1,13
